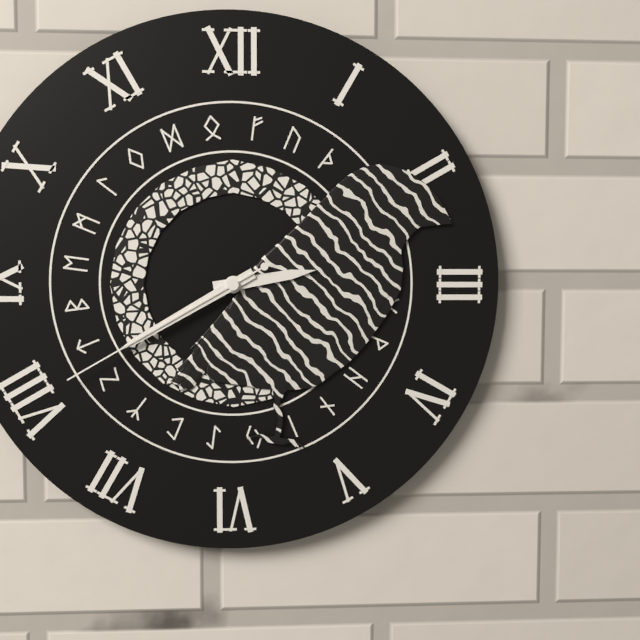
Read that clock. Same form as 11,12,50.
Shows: 2,40,40
